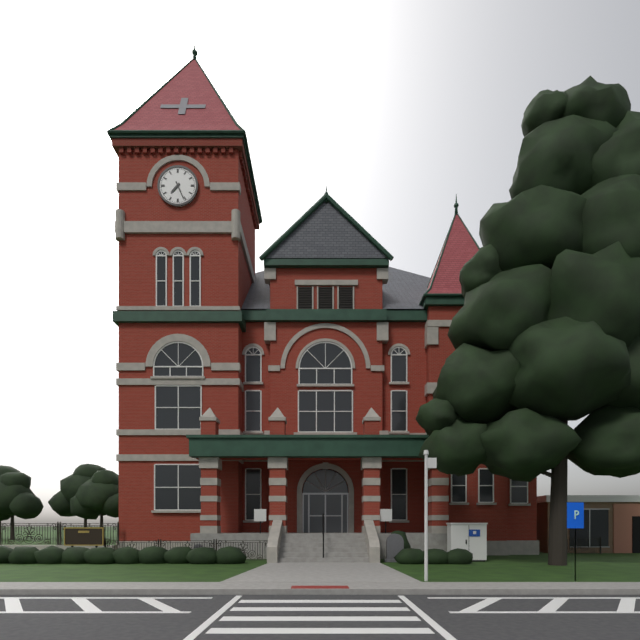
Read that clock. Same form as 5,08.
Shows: 7,26
